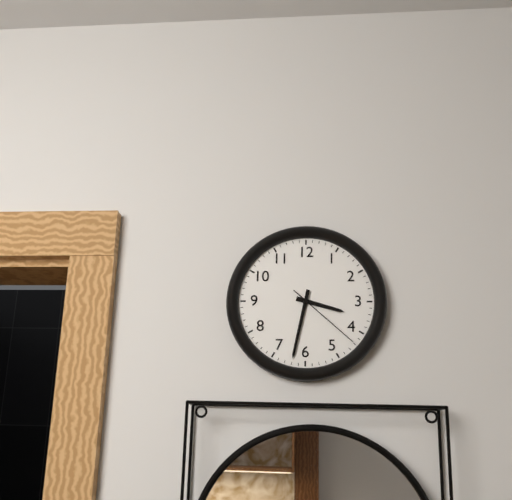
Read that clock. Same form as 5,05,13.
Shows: 3,32,22
